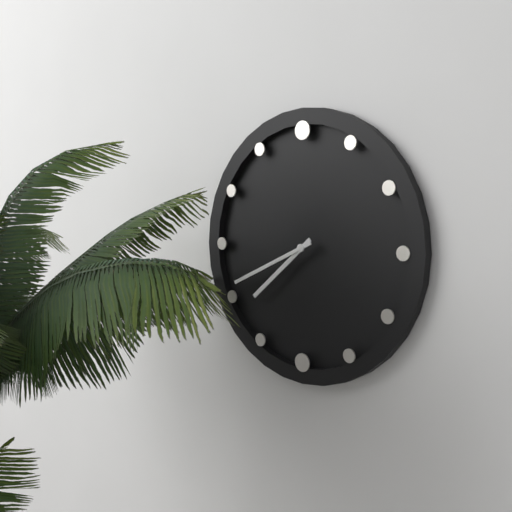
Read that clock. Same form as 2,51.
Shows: 7,41
